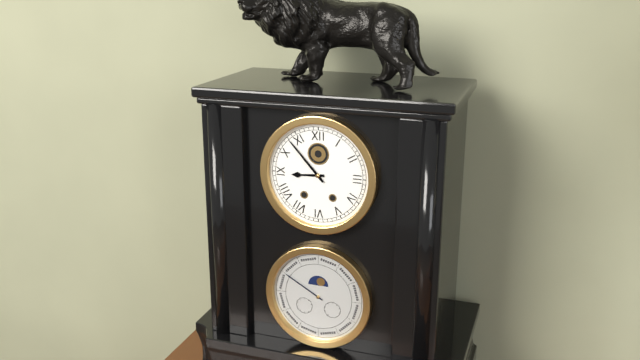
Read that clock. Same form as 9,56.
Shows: 8,53
